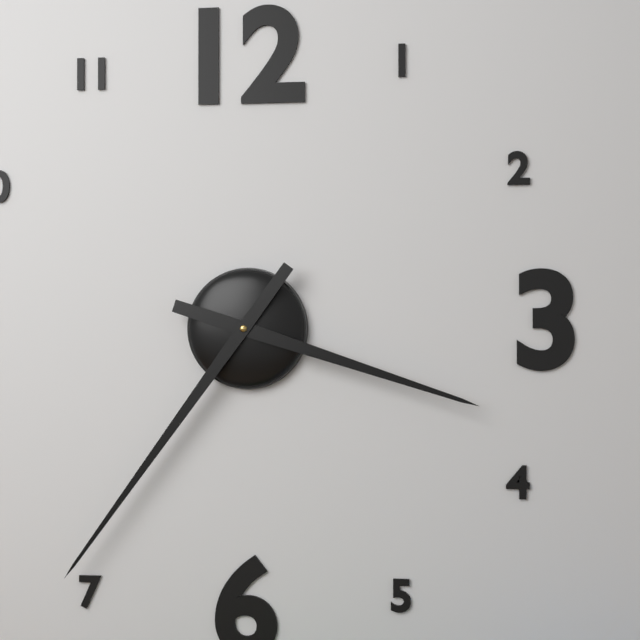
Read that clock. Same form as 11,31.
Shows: 3,36
